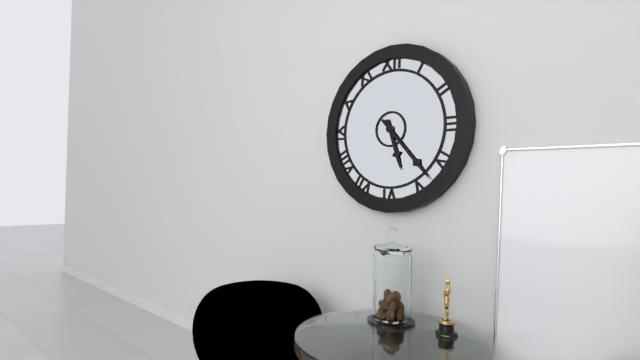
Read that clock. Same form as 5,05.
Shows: 5,23
